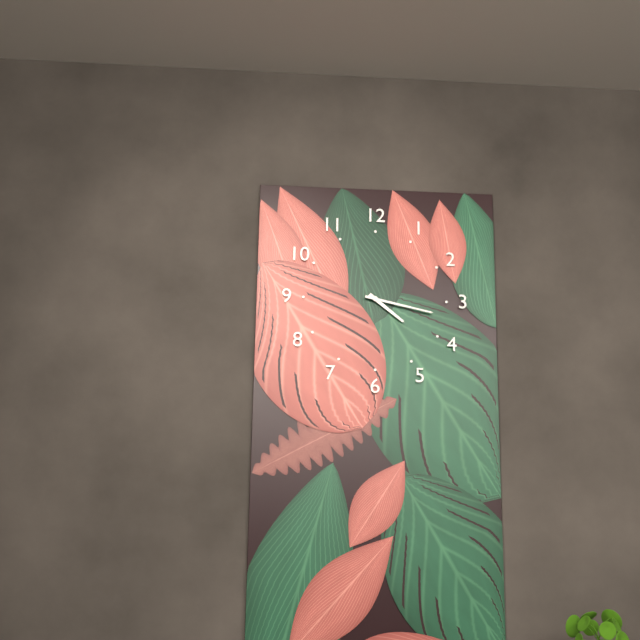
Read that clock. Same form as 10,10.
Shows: 4,17
